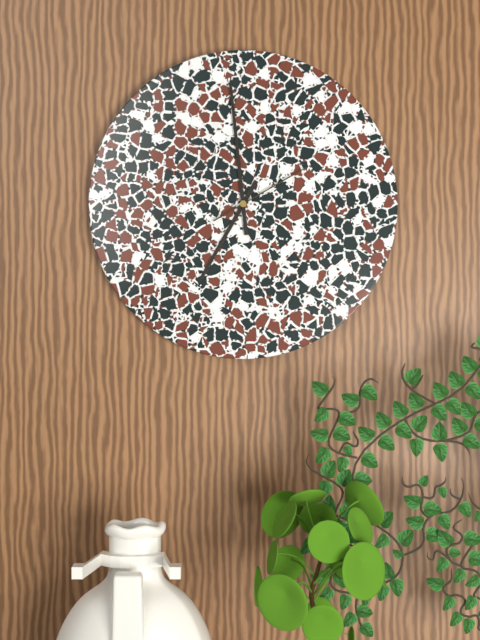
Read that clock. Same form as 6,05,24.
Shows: 6,59,10
